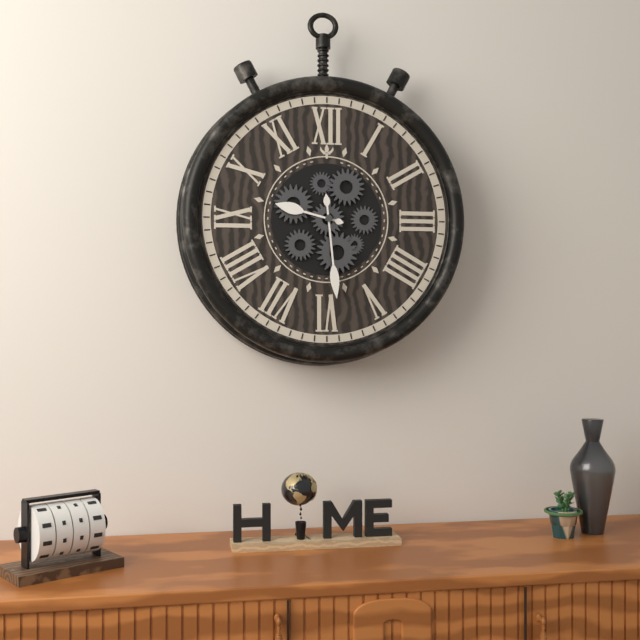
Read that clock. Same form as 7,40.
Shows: 9,29
